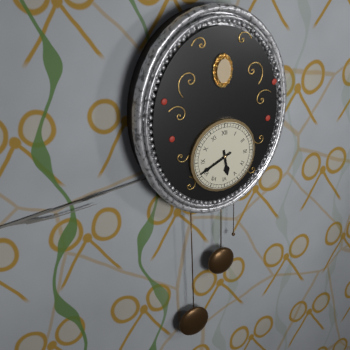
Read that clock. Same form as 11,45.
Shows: 5,41
